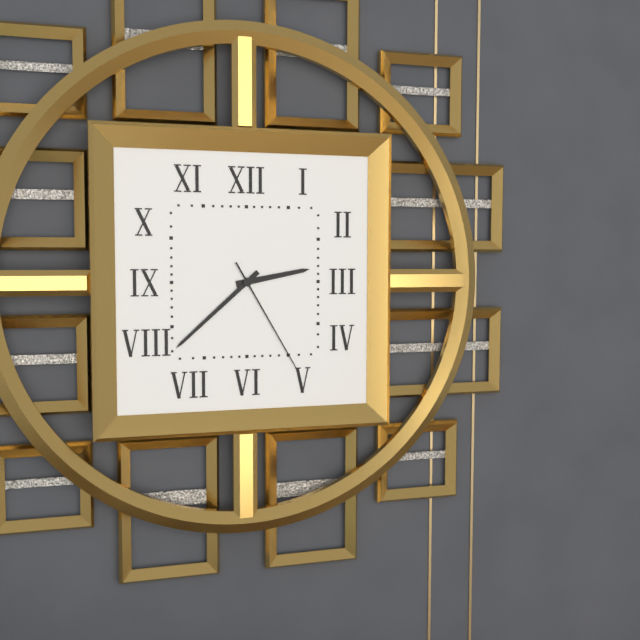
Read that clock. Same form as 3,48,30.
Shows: 2,38,25
